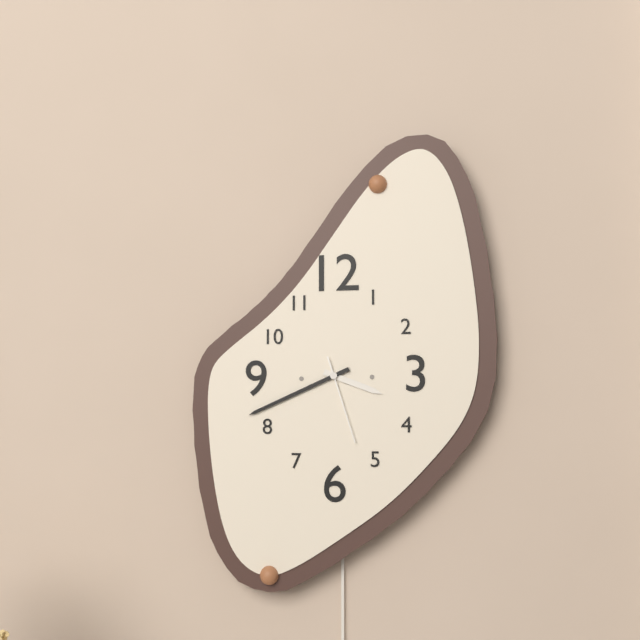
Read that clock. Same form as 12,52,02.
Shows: 3,41,27
